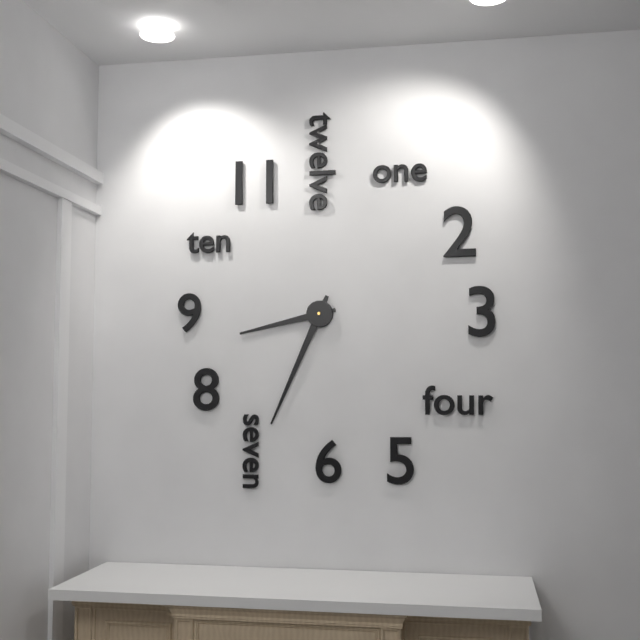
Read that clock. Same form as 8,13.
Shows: 8,34
